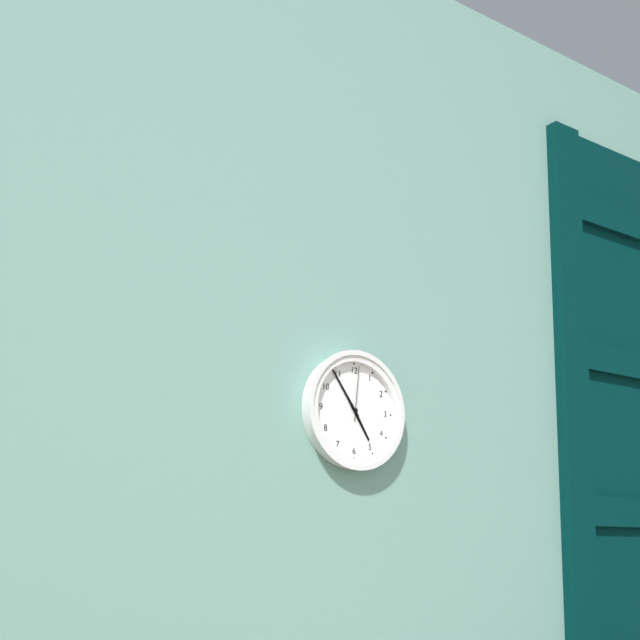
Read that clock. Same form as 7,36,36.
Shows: 4,54,01
